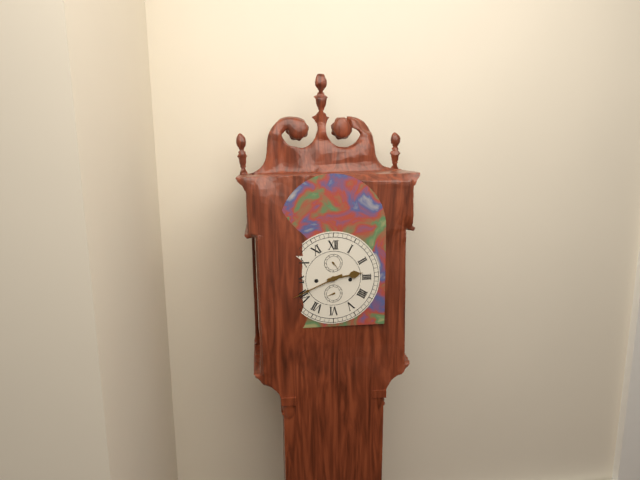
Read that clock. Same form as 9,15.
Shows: 2,41
